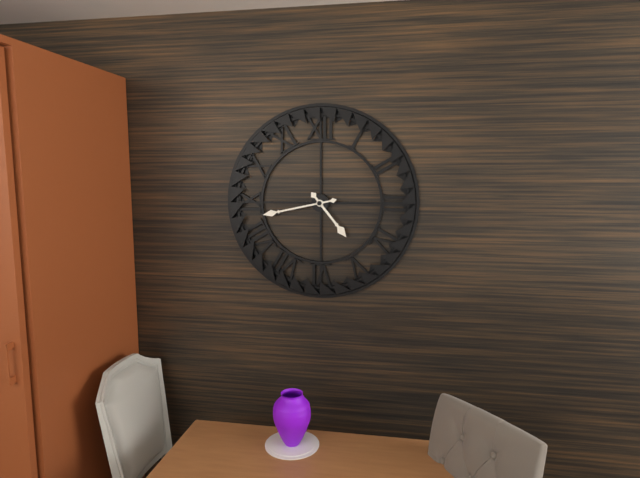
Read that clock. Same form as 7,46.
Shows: 4,43
